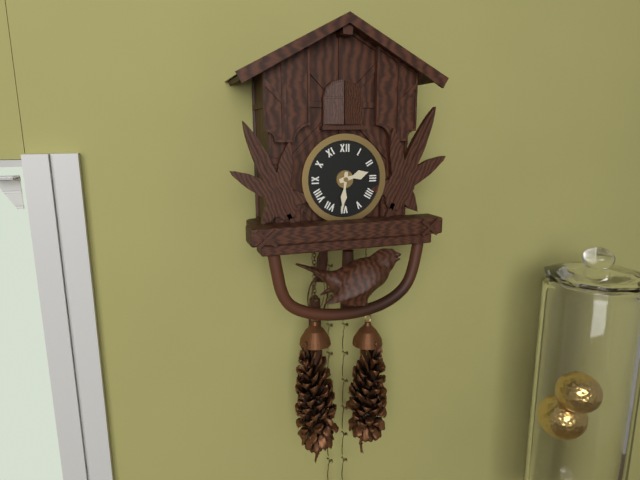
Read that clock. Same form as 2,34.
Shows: 2,31
